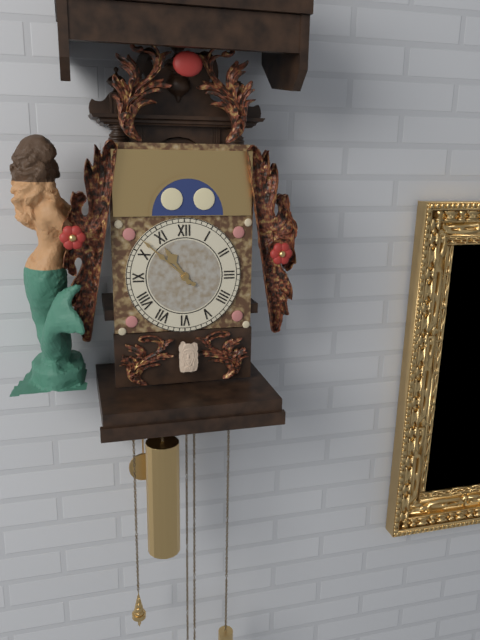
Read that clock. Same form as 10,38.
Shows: 10,52
